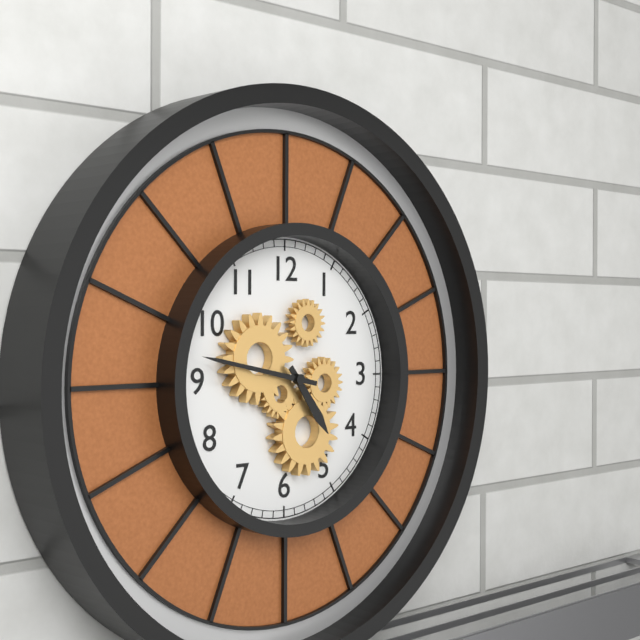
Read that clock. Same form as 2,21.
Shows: 4,47
